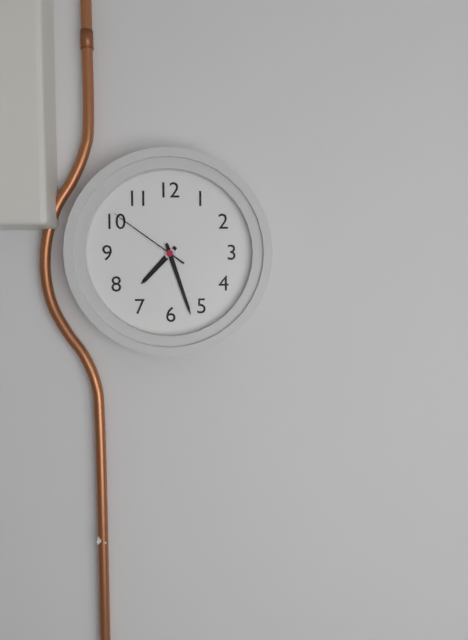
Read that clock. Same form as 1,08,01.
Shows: 7,27,51
